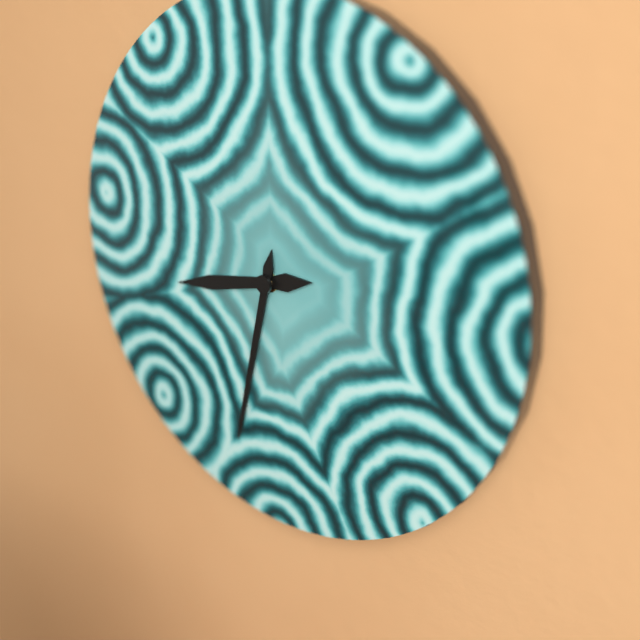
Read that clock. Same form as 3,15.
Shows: 8,32
